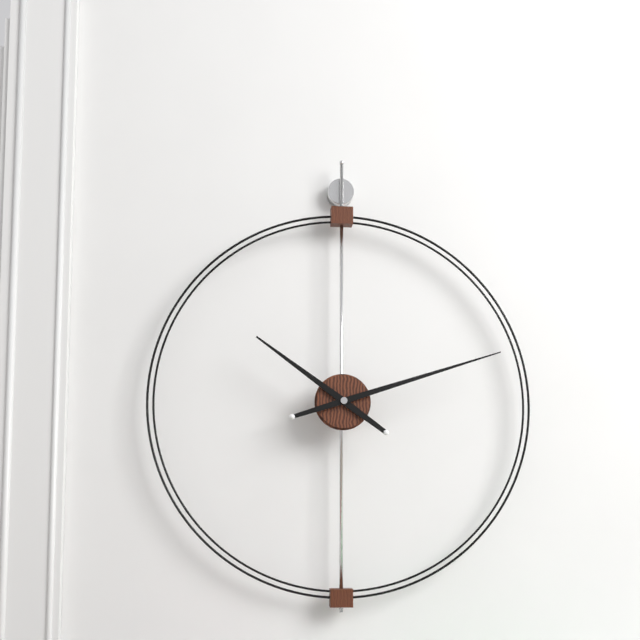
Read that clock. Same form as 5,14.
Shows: 10,12
